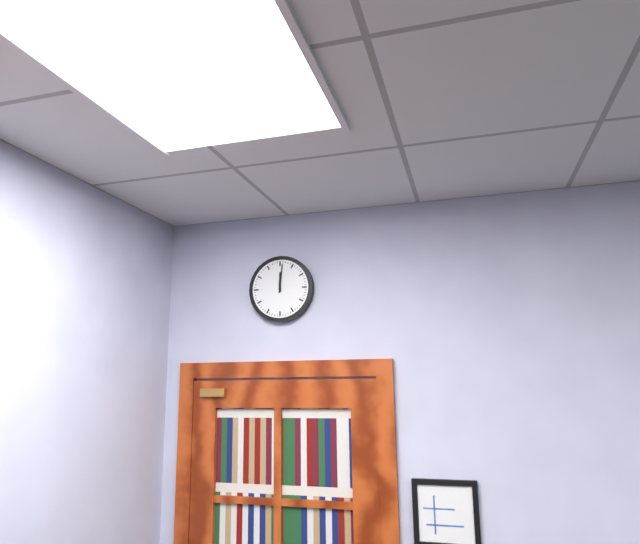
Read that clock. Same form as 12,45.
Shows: 12,01
